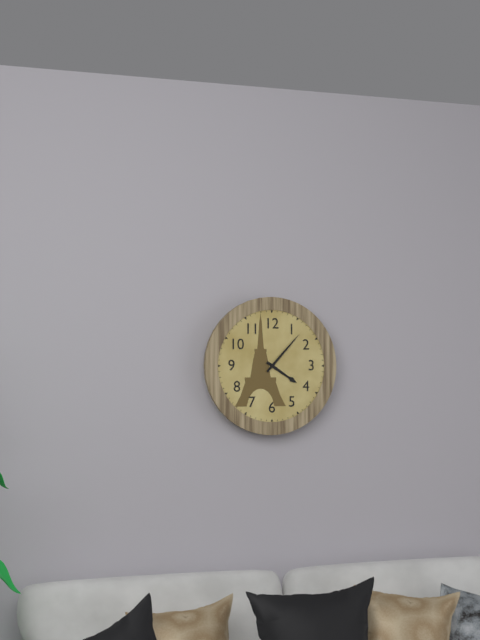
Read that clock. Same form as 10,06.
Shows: 4,07
